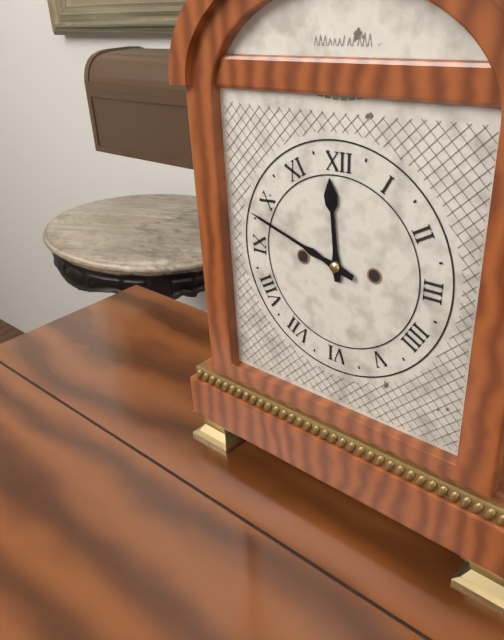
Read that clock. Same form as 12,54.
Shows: 11,48
